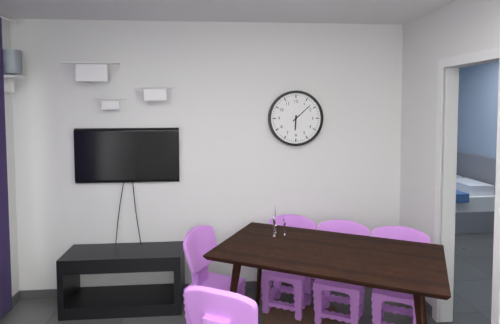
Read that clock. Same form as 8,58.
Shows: 6,08
